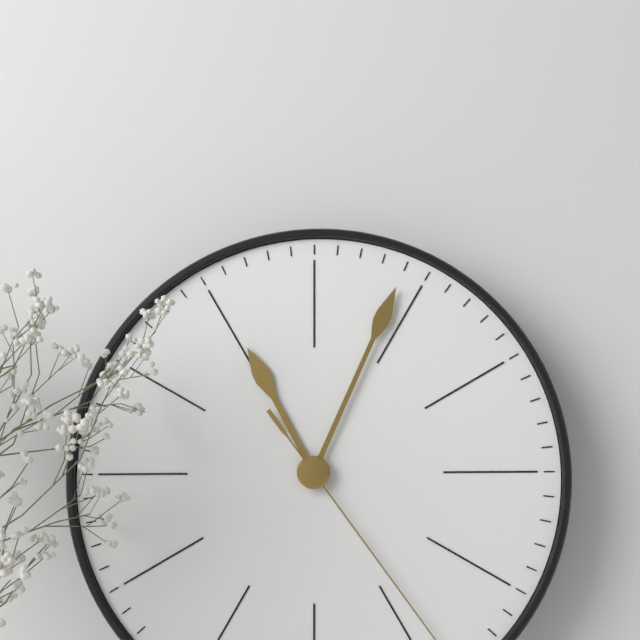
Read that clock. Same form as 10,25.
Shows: 11,04
